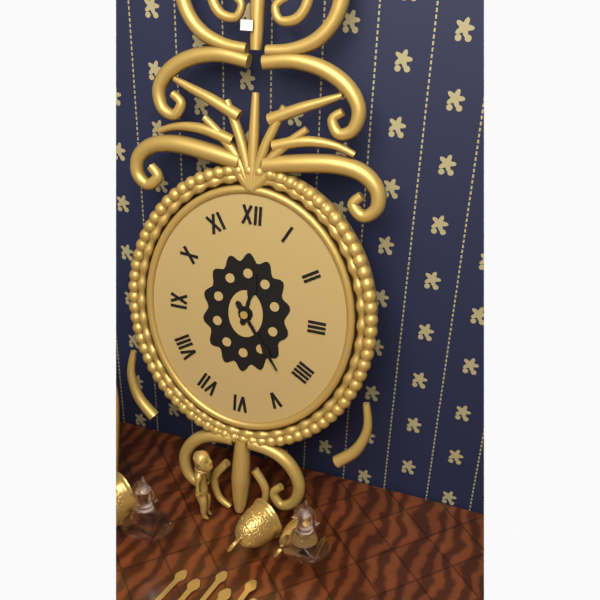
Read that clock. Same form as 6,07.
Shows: 12,24
